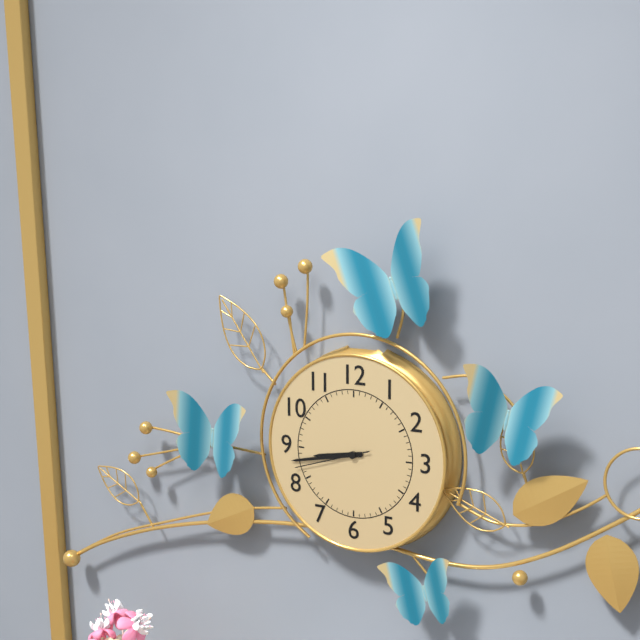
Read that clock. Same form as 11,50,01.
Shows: 8,43,42
